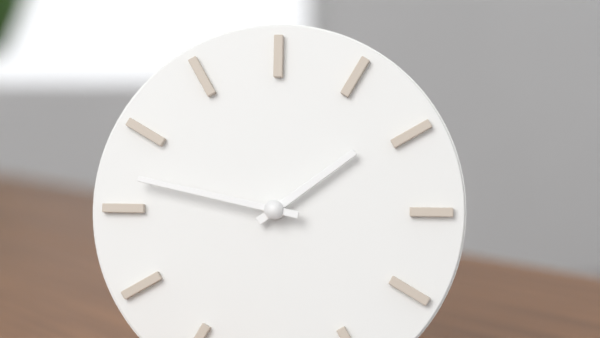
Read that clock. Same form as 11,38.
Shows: 1,47
